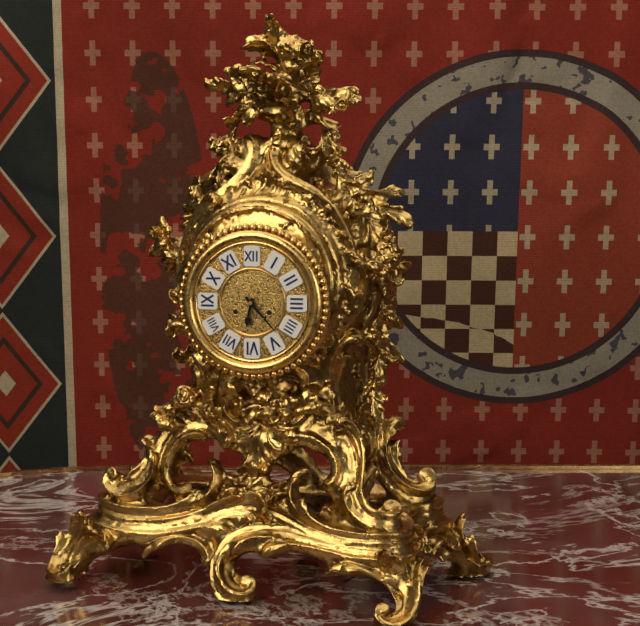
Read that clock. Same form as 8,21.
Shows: 6,23
